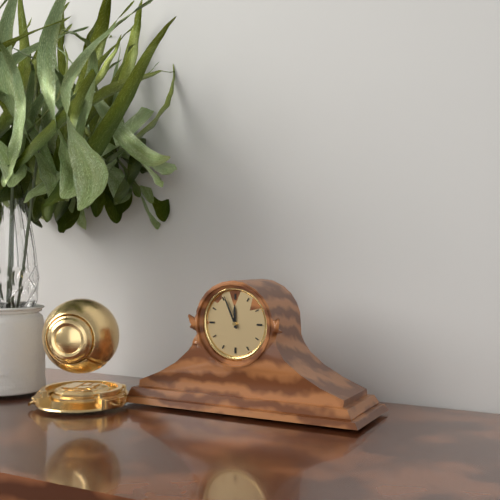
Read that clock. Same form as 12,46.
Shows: 11,56
